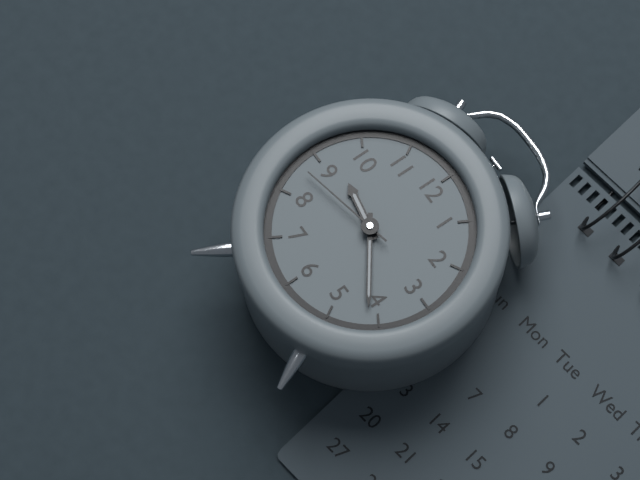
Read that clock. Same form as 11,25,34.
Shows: 9,21,43
